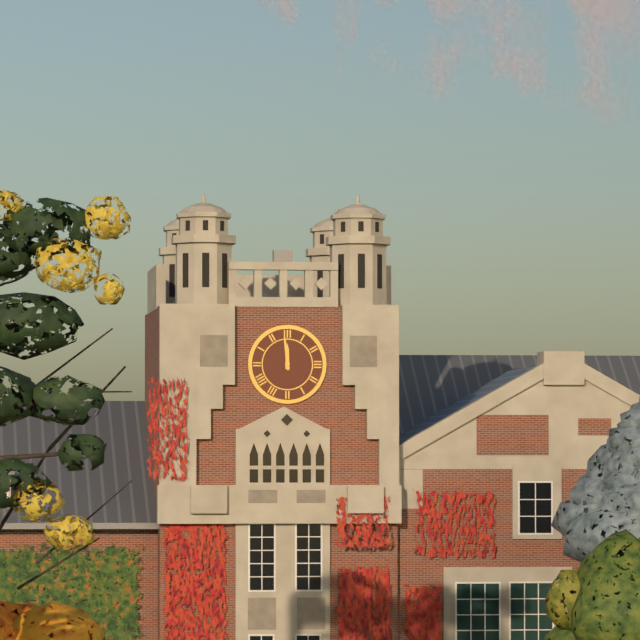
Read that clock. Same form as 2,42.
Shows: 11,59
